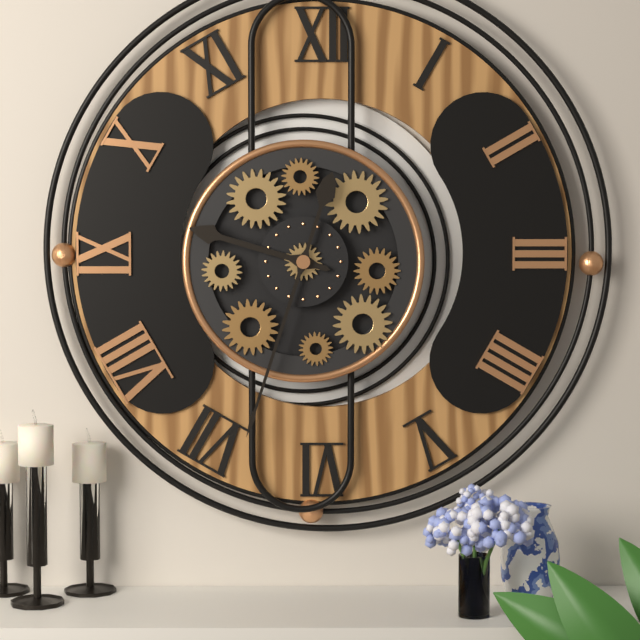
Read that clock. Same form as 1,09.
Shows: 9,33
